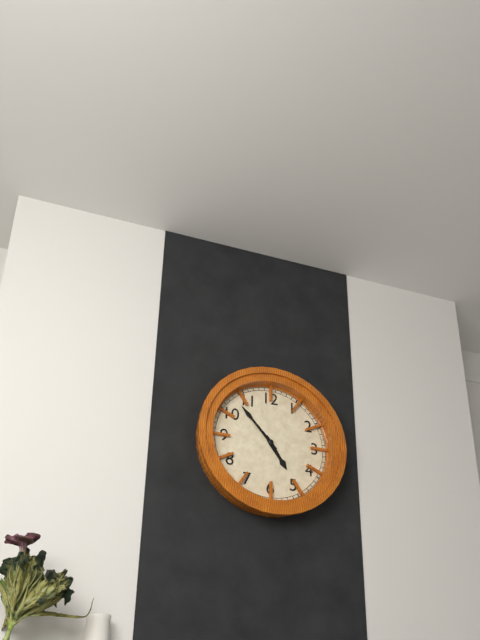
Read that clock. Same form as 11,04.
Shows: 4,53
